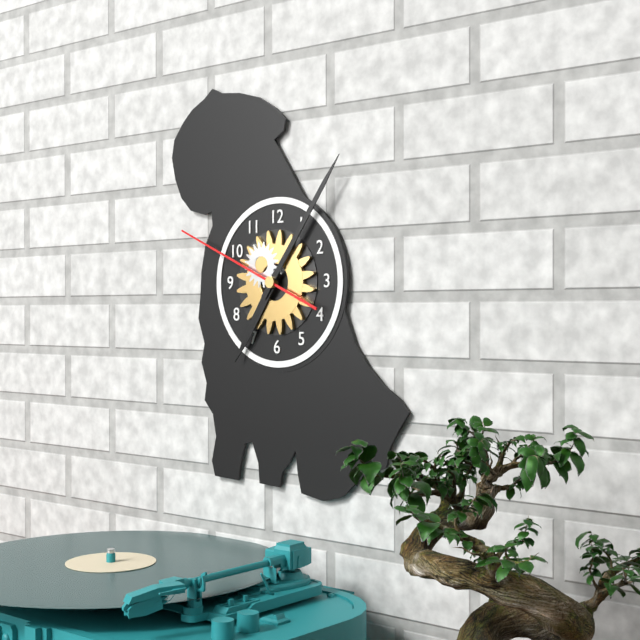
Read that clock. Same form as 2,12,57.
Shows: 7,06,49
